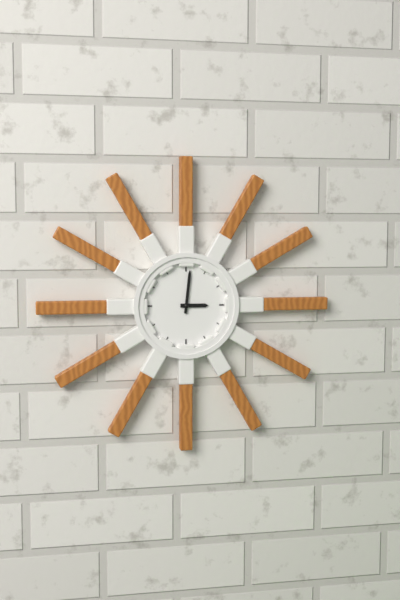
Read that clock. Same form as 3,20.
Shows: 3,01
